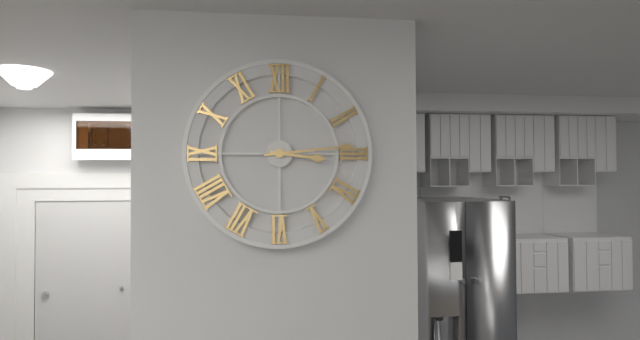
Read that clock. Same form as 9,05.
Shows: 3,14
